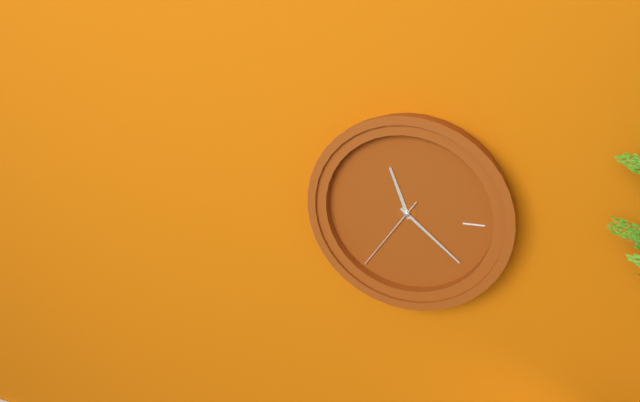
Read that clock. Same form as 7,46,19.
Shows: 11,22,36
